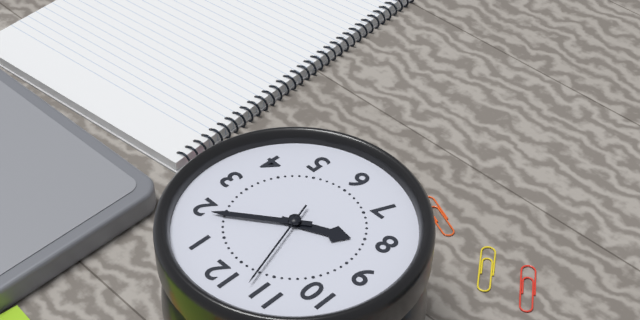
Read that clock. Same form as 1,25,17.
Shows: 8,09,57
